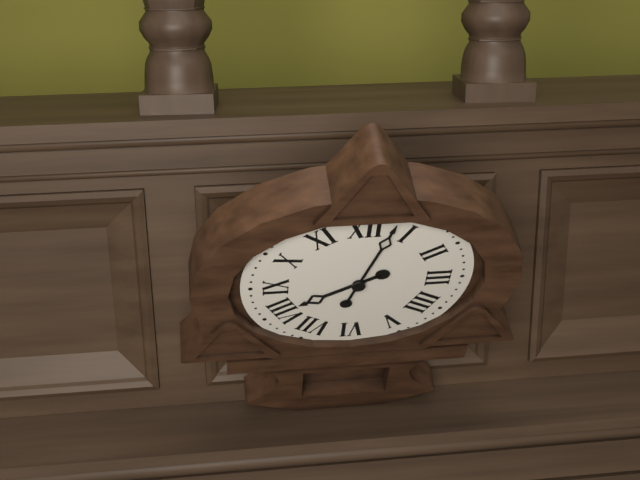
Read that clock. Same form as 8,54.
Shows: 8,03
